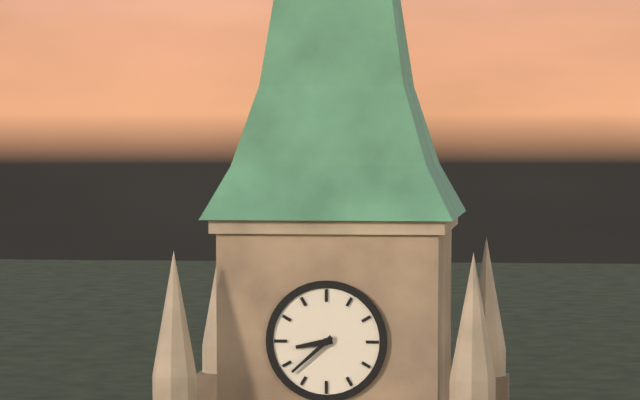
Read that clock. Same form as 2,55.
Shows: 8,38
